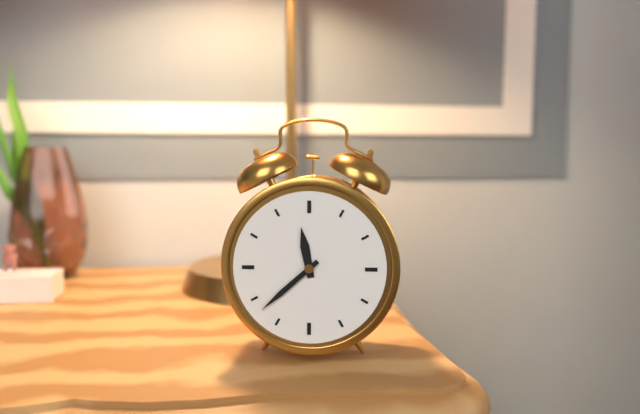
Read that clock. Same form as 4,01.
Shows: 11,38
